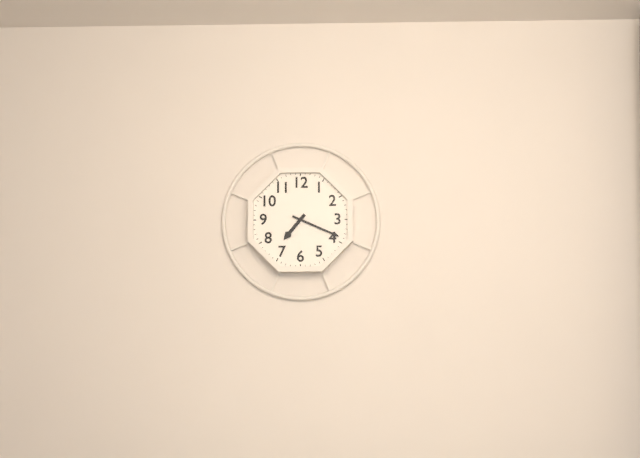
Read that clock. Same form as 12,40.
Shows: 7,19
